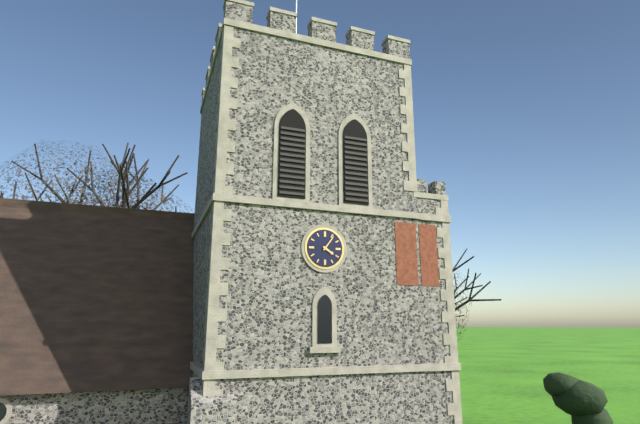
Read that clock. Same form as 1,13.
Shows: 4,06
